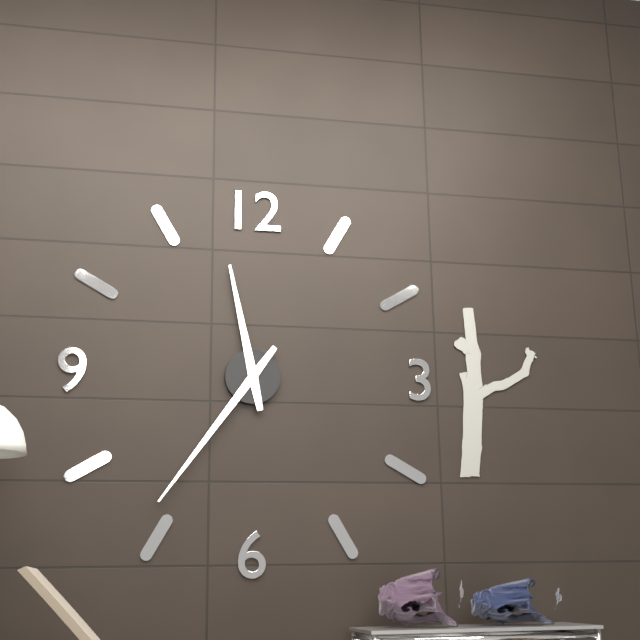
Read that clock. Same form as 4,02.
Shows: 11,36
